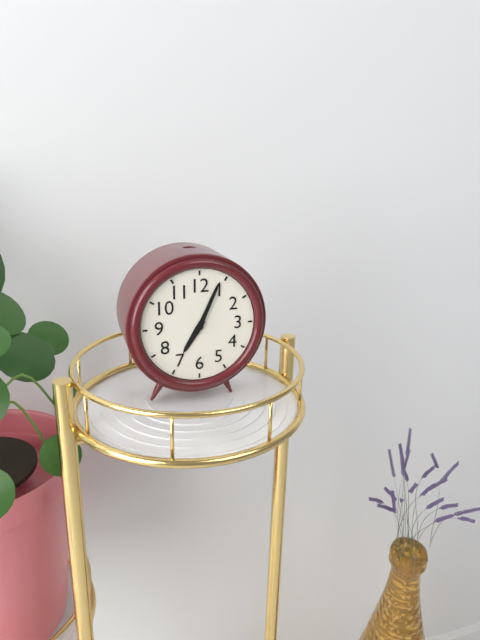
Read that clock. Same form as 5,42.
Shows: 7,04
